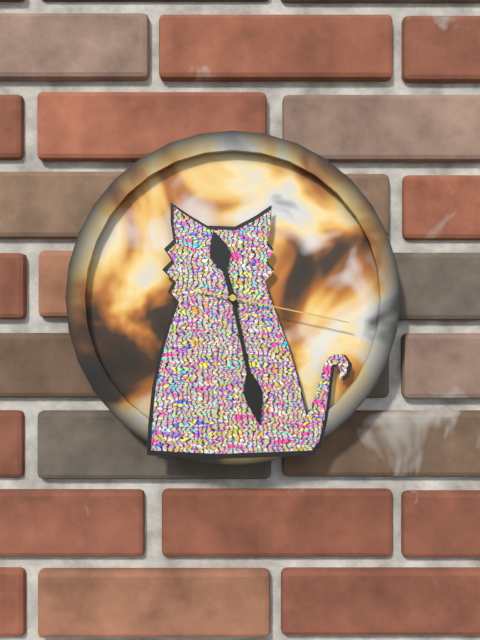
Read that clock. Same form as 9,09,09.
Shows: 11,28,17
